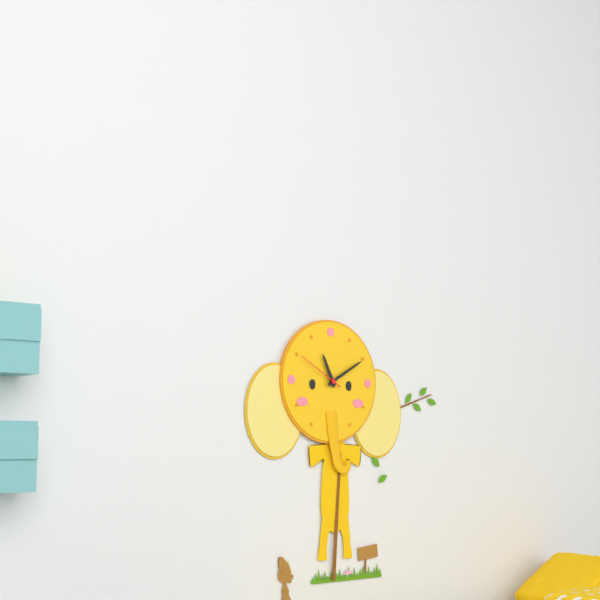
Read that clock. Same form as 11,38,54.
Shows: 11,10,50
